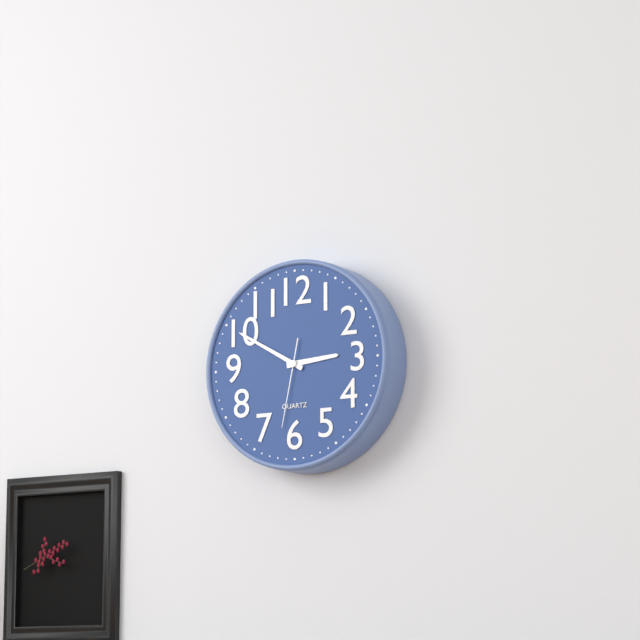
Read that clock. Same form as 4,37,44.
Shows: 2,50,32
